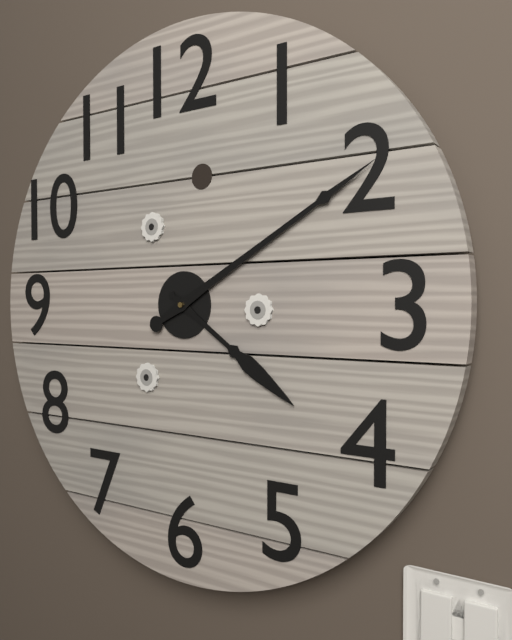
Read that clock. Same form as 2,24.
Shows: 4,10
